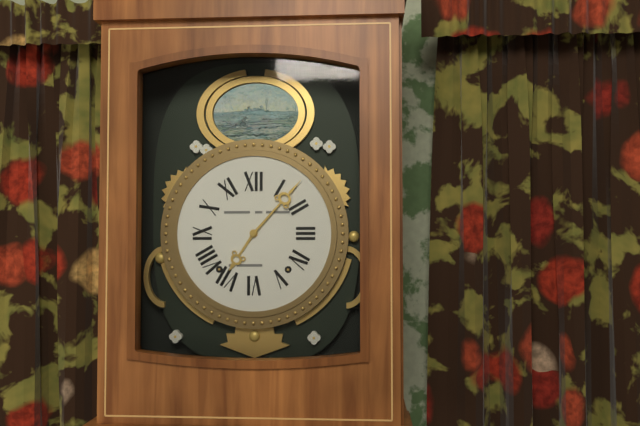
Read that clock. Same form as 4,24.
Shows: 7,07
